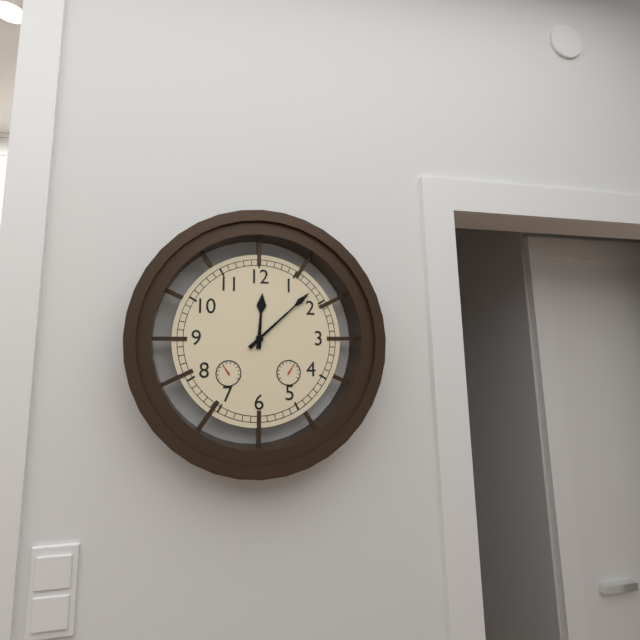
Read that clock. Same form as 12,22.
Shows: 12,08
